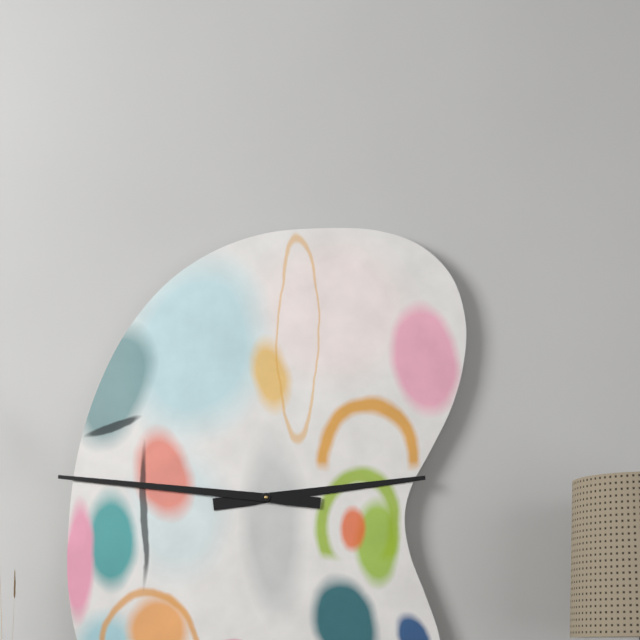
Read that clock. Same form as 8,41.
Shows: 2,46
